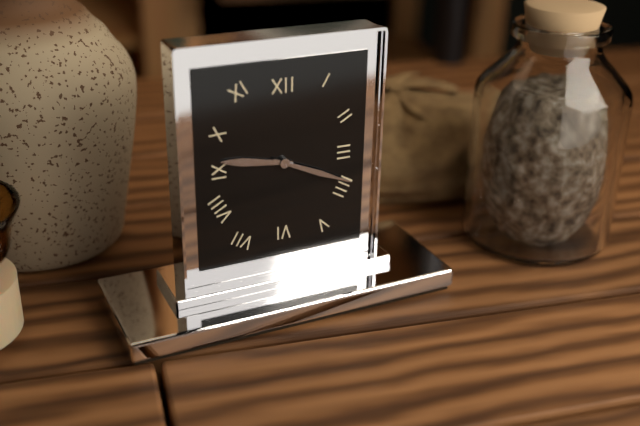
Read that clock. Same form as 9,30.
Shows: 9,19
